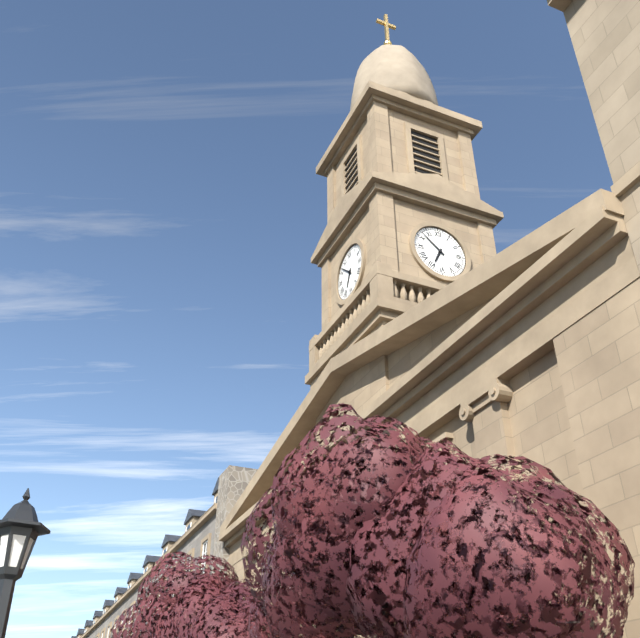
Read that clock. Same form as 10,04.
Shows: 6,52
